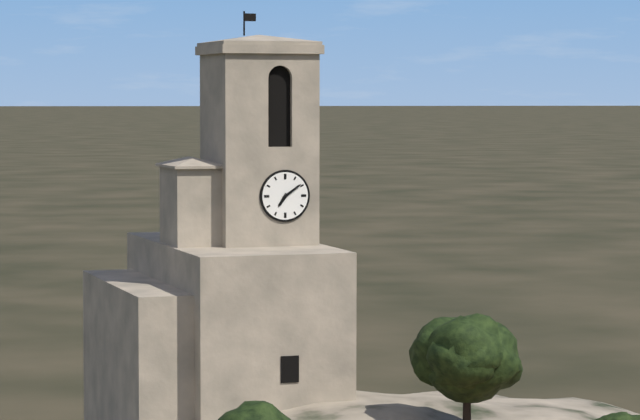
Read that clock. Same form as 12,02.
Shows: 7,09
